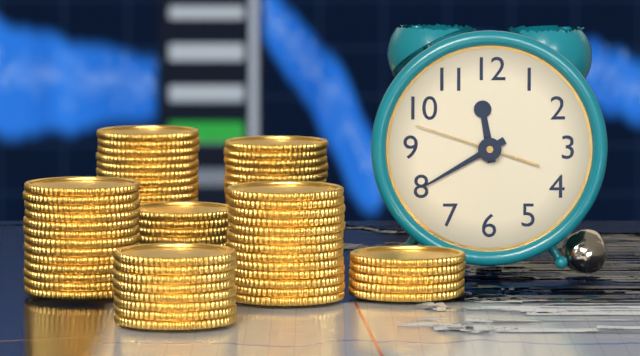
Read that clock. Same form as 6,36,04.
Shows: 11,40,48
